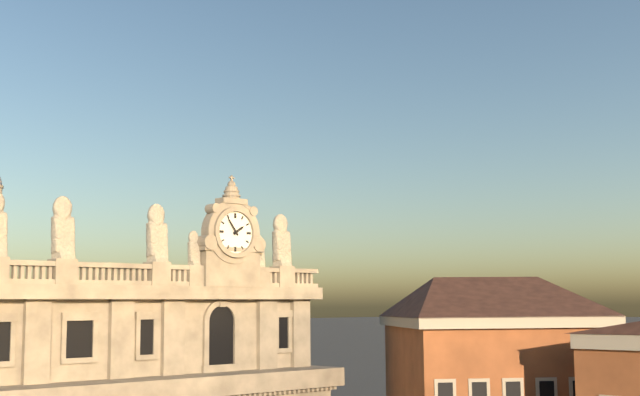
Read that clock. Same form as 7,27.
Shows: 1,54
